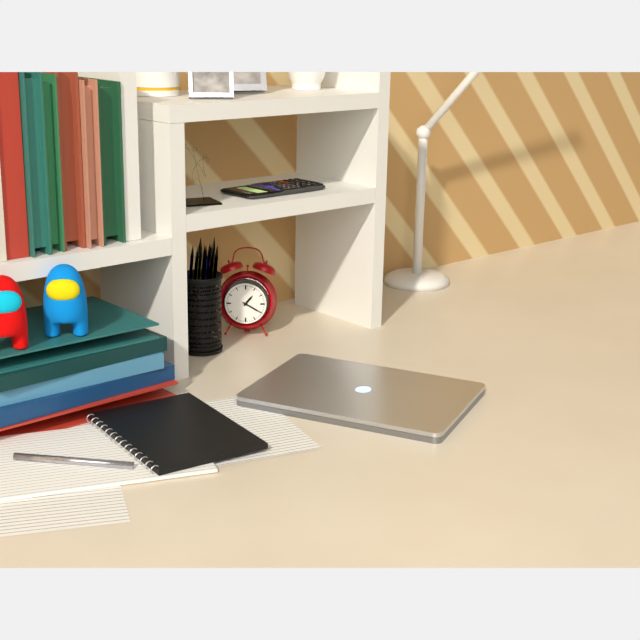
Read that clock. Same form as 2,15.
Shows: 1,20
